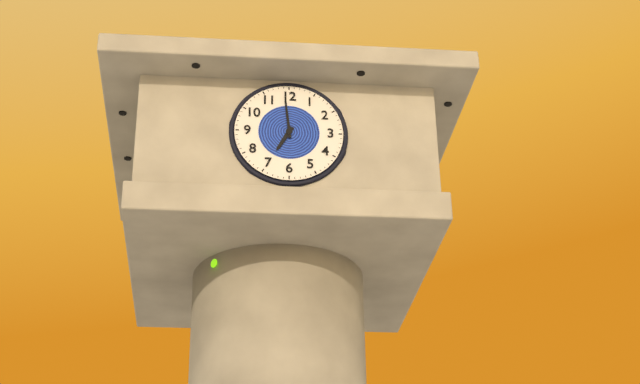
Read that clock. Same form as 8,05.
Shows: 6,59
